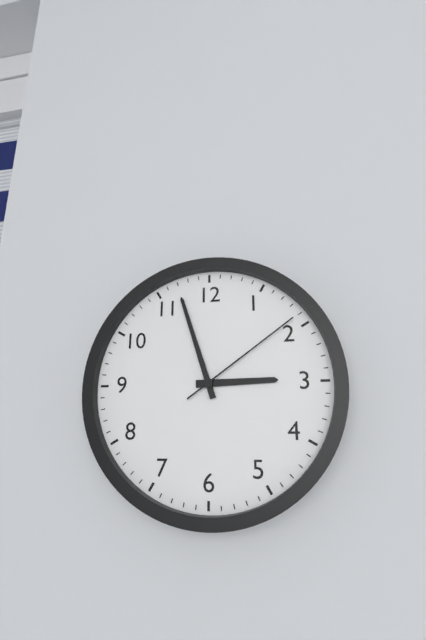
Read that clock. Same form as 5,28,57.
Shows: 2,57,09
